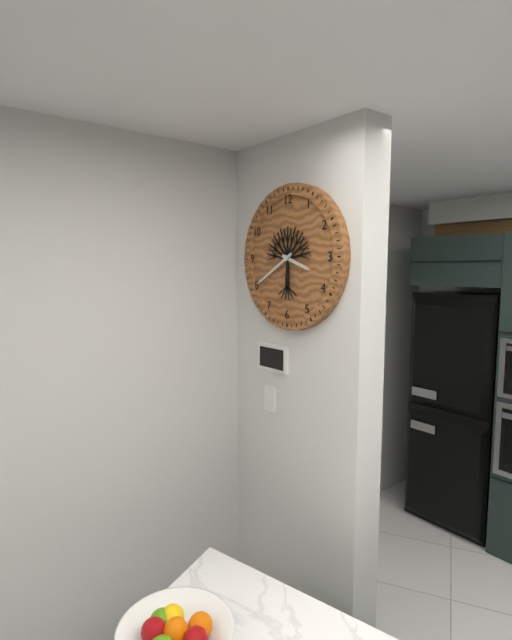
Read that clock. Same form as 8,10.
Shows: 3,40
